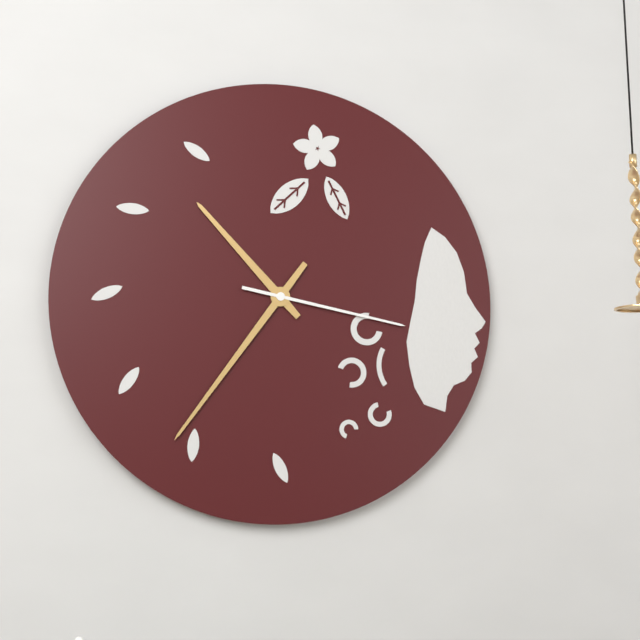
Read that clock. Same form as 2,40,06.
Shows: 10,36,17
